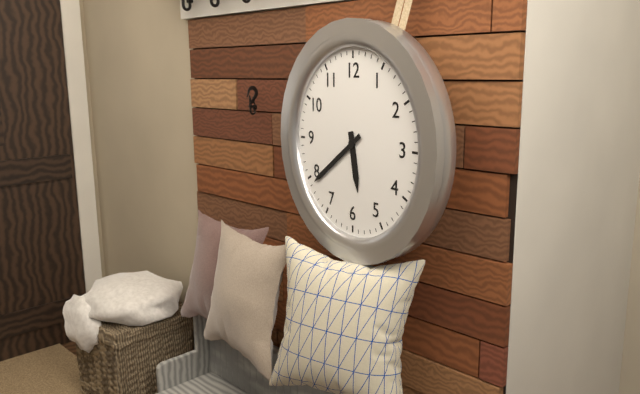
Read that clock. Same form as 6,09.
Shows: 5,39
